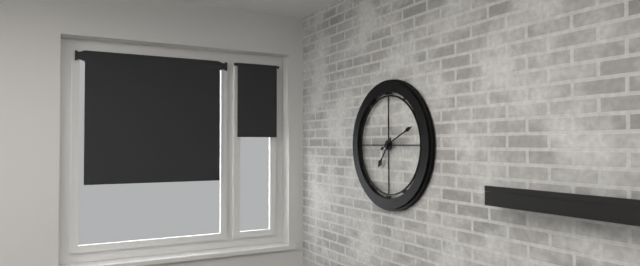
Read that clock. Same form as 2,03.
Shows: 7,11
